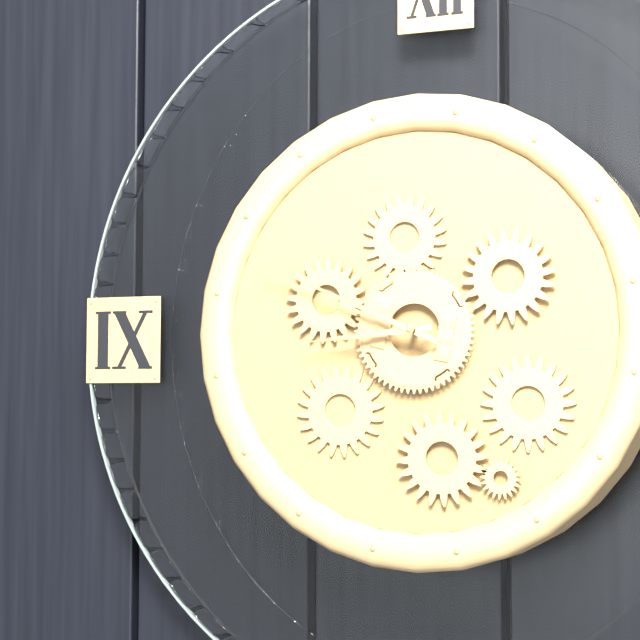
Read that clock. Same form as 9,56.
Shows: 8,49
